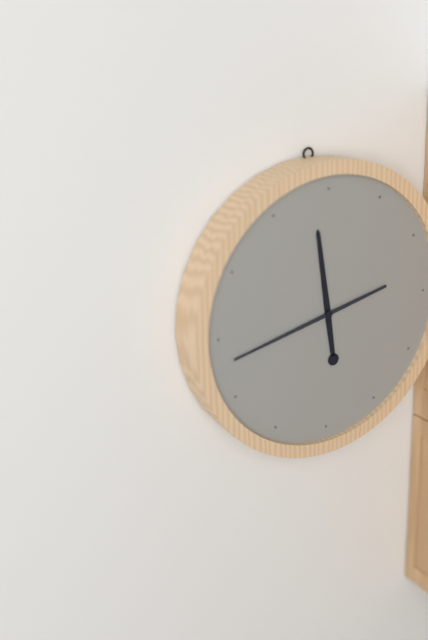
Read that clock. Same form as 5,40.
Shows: 11,43
